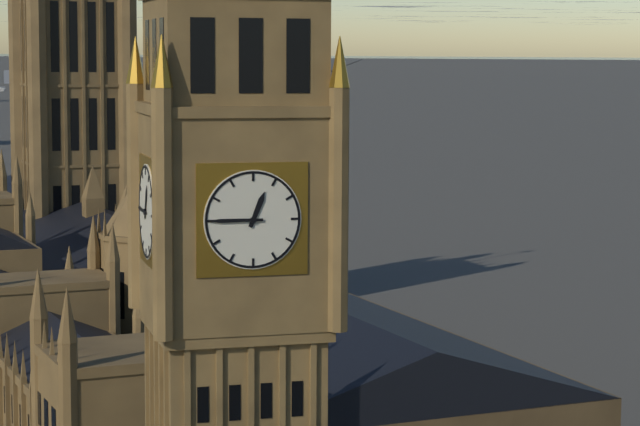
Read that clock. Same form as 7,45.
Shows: 12,45
